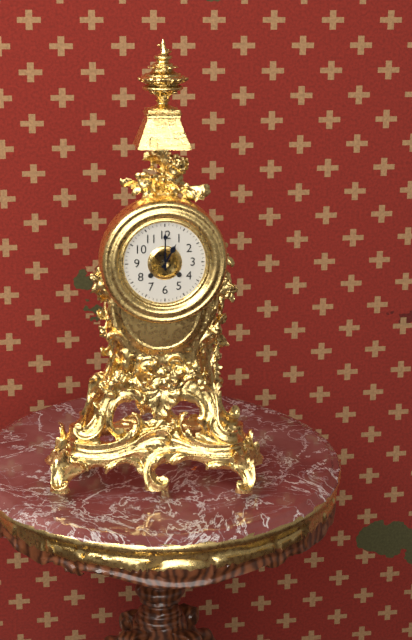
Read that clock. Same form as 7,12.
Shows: 1,00
